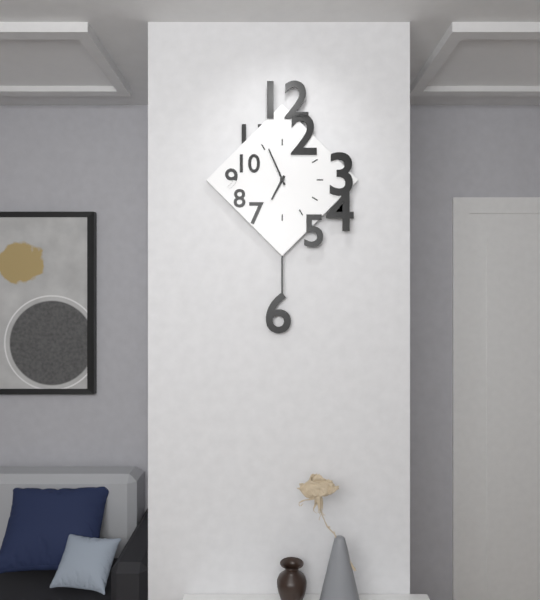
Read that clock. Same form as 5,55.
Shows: 6,56
